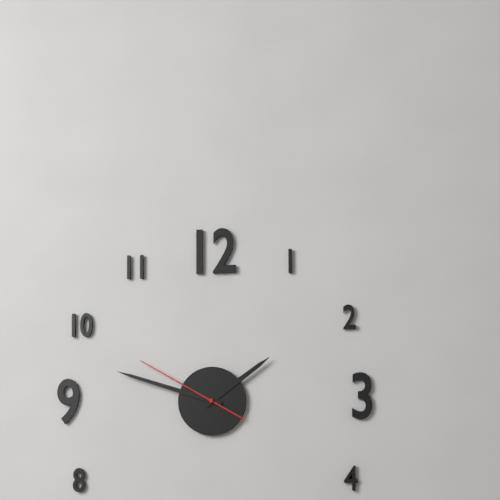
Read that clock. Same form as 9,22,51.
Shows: 1,48,50
